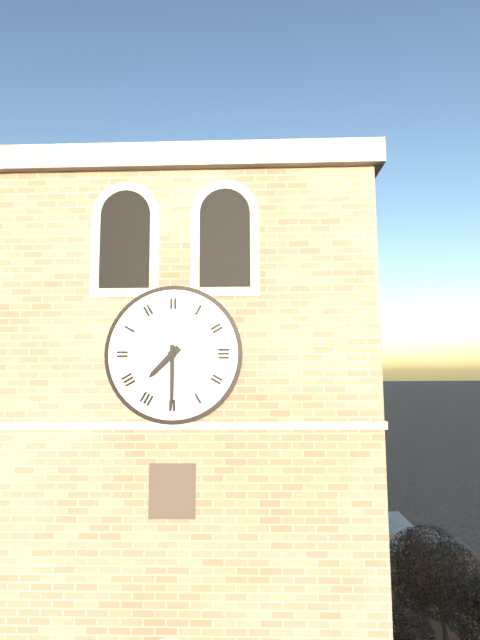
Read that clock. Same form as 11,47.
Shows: 7,30
